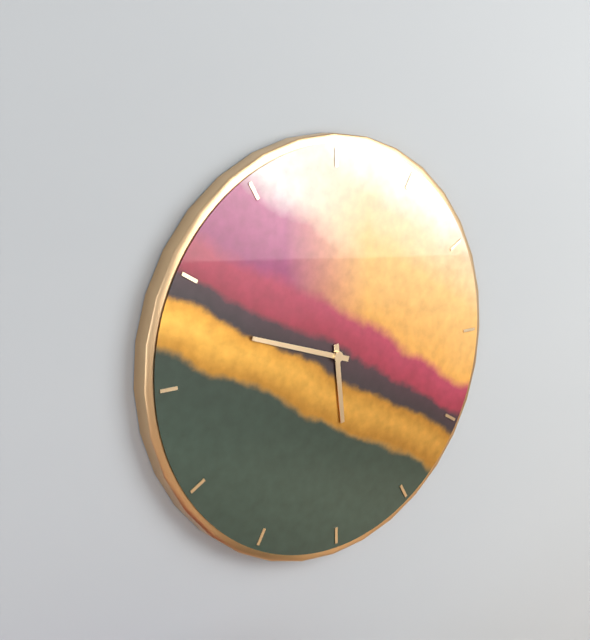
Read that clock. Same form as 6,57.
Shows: 5,48
